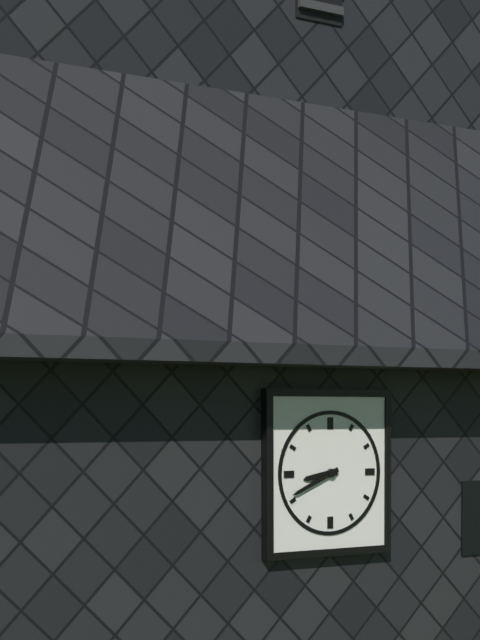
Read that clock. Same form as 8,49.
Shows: 8,41
